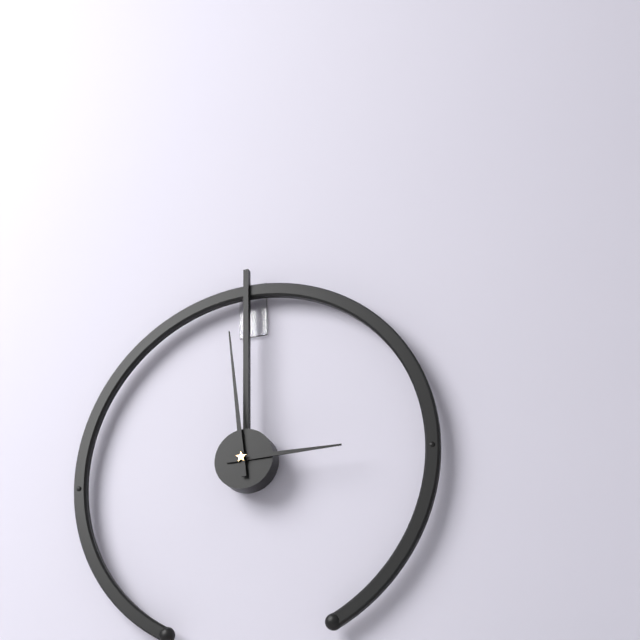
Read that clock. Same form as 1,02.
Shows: 2,59
